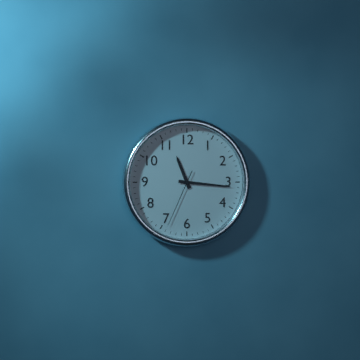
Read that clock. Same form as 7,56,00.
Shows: 11,16,34
